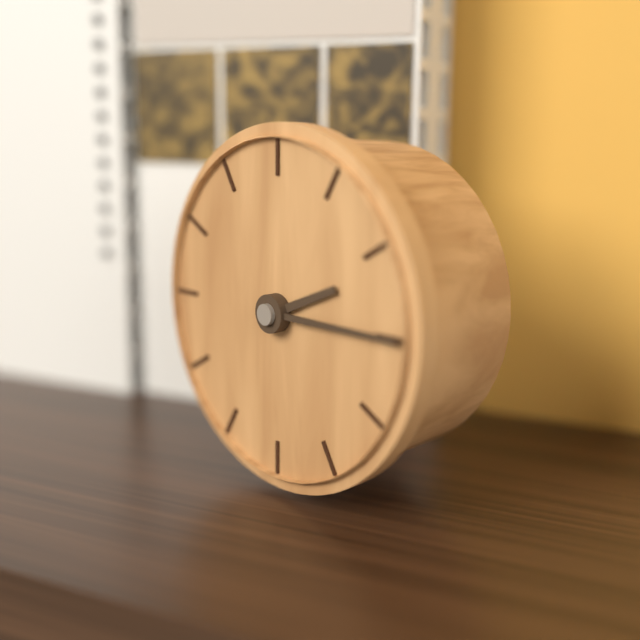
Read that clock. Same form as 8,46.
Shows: 2,15
